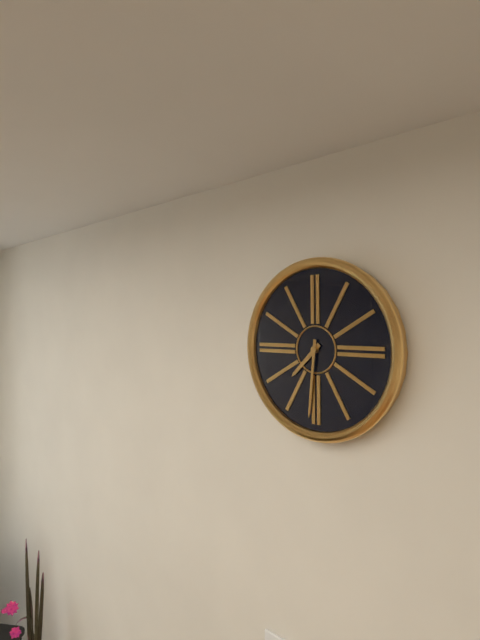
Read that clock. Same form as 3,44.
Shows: 7,31
